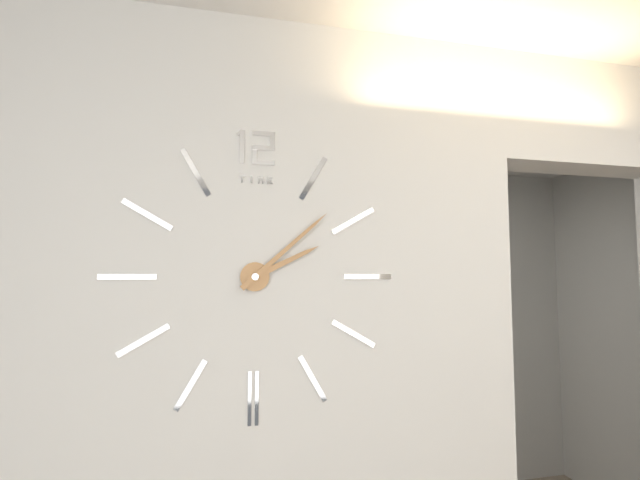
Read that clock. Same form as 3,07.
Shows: 2,08
